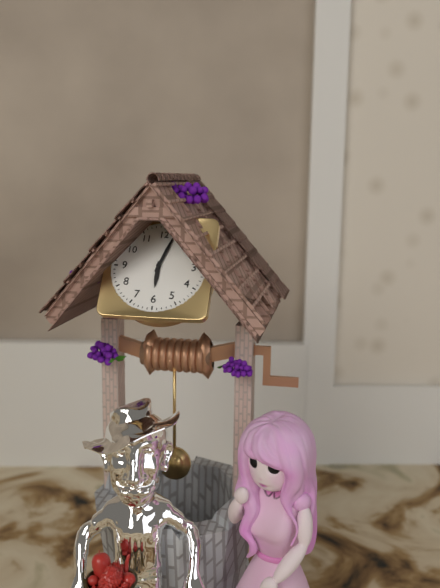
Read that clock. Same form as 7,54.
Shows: 6,03
